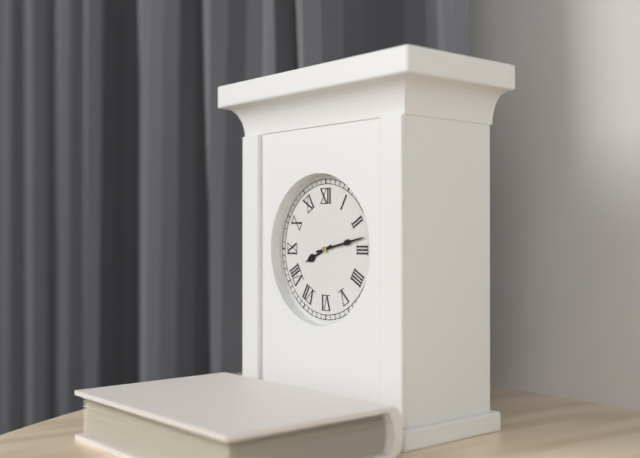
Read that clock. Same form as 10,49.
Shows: 8,13
